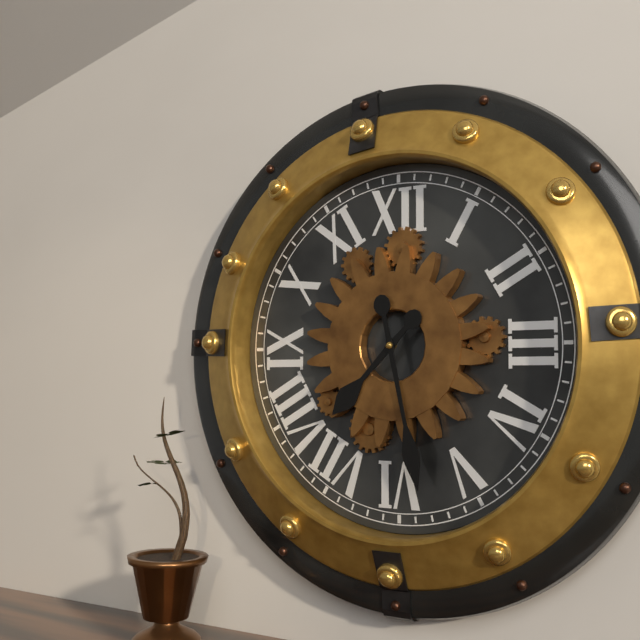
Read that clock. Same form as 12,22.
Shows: 7,28
